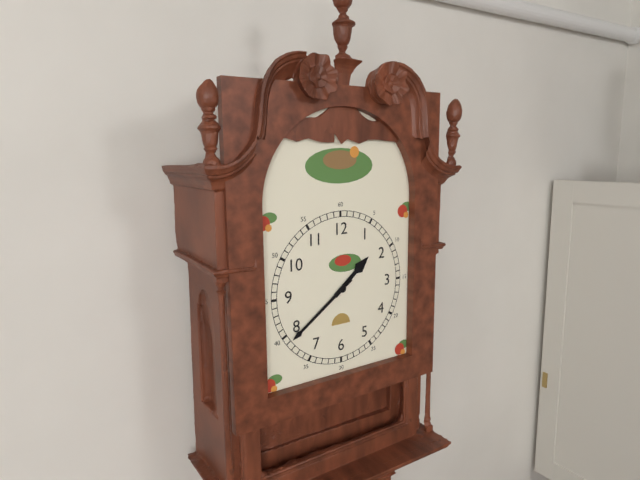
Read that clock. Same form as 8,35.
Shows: 1,39
